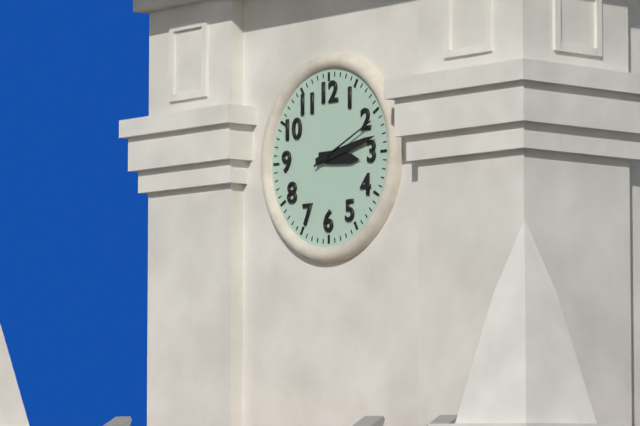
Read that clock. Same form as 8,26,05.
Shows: 3,13,11
